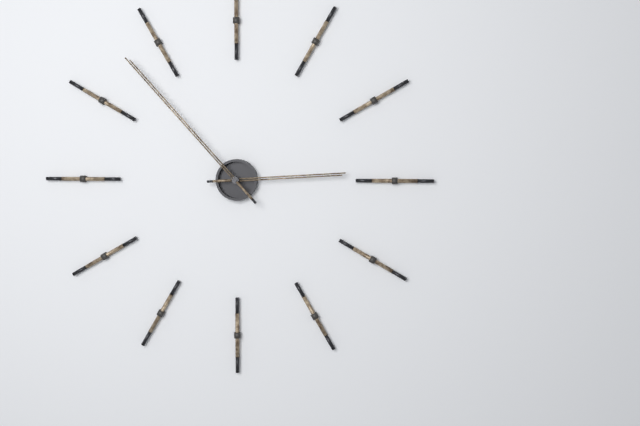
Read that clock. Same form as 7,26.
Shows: 2,53
